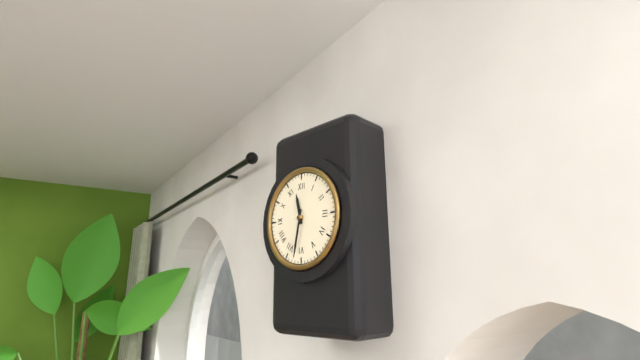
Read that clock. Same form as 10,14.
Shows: 11,32
